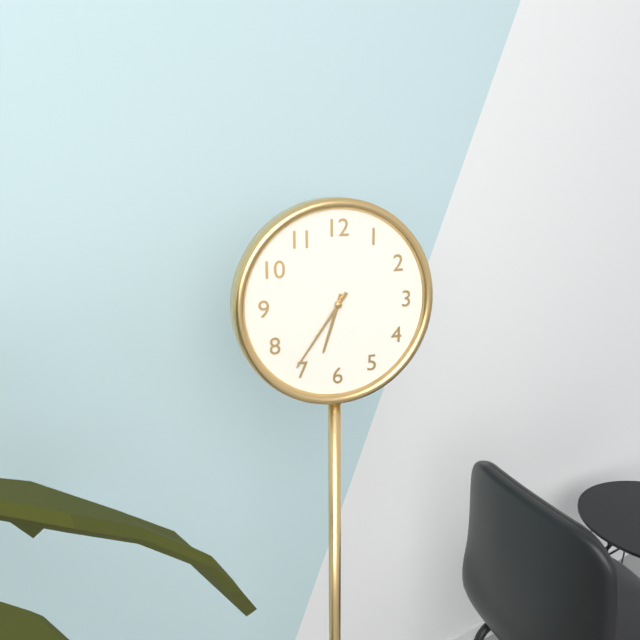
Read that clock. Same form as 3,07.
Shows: 6,36
